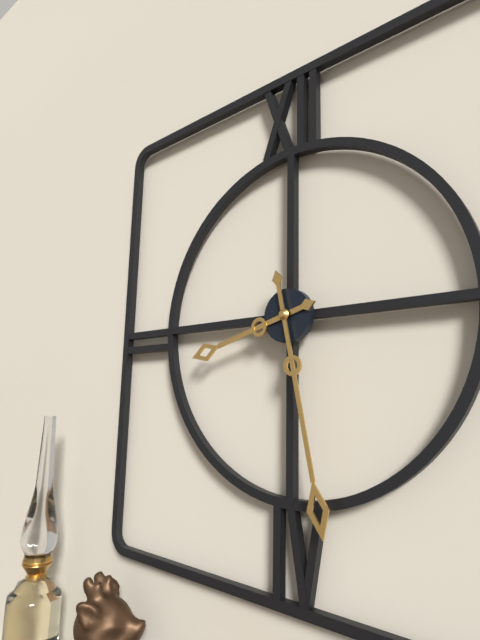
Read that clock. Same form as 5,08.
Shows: 8,28
